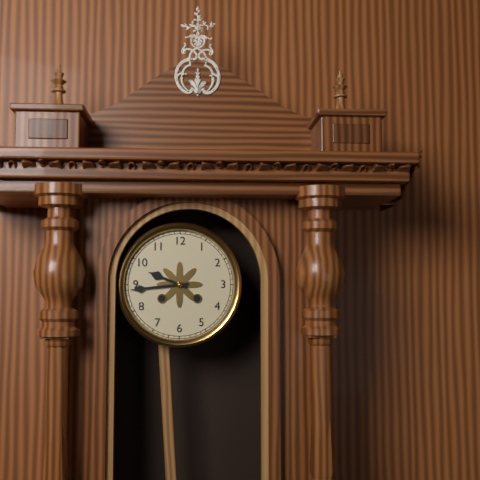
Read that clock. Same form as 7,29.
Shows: 9,44
